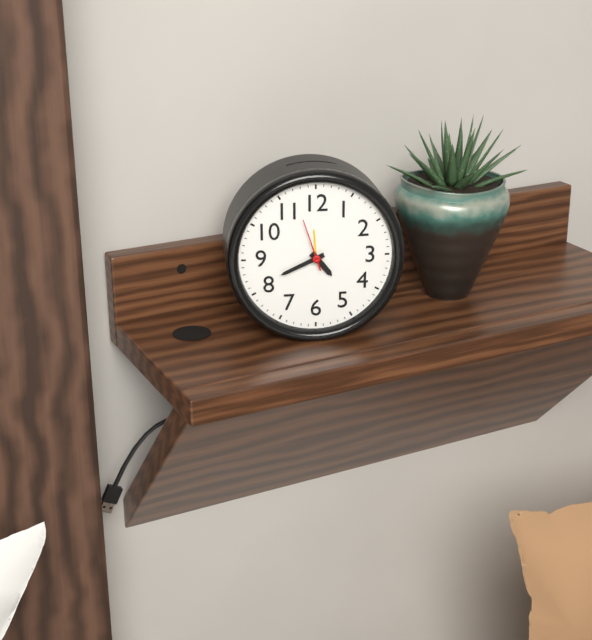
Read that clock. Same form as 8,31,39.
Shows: 4,41,57
